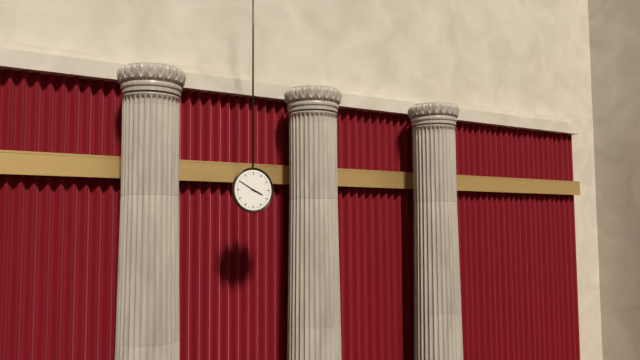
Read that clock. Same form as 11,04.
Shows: 3,50
